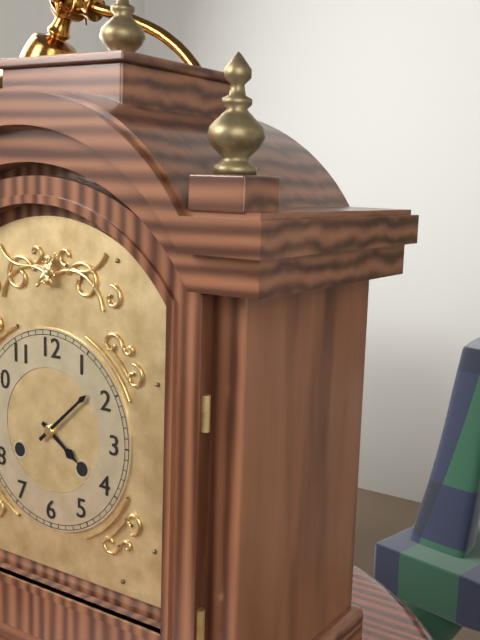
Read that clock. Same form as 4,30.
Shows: 4,08
